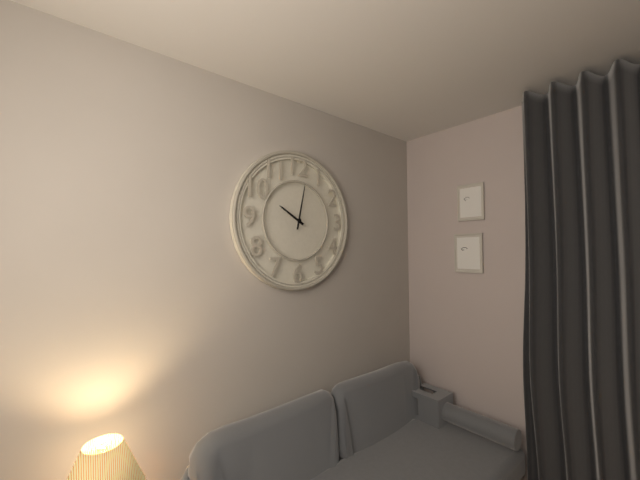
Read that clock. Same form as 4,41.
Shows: 10,02
